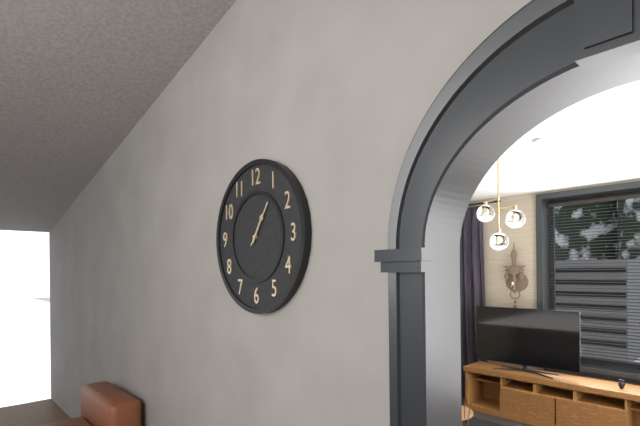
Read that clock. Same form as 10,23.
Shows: 1,06
